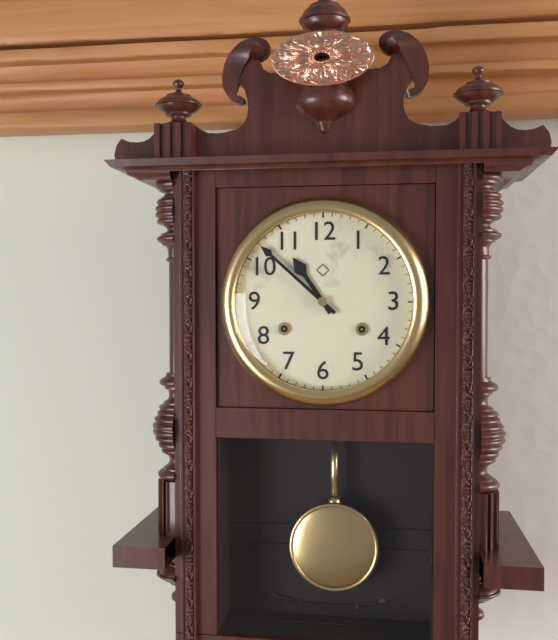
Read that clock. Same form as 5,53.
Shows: 10,52
